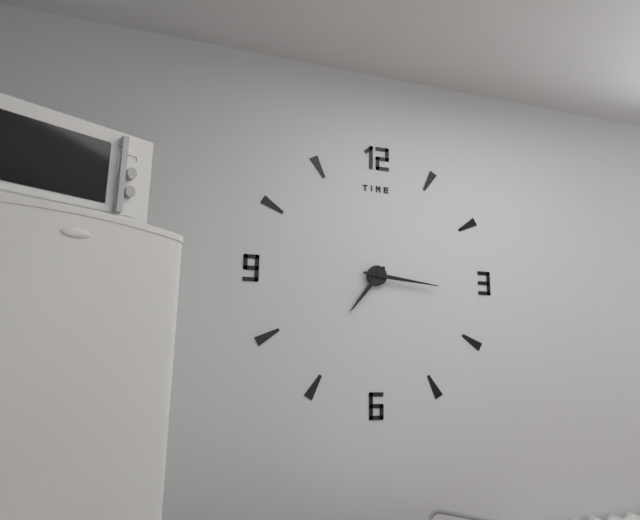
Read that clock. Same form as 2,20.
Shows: 7,16
